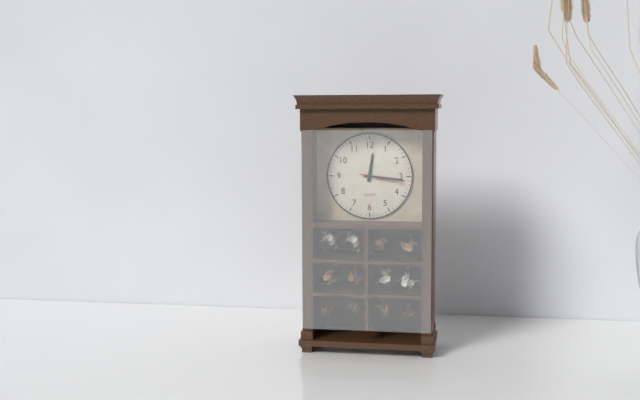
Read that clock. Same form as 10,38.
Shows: 12,16
